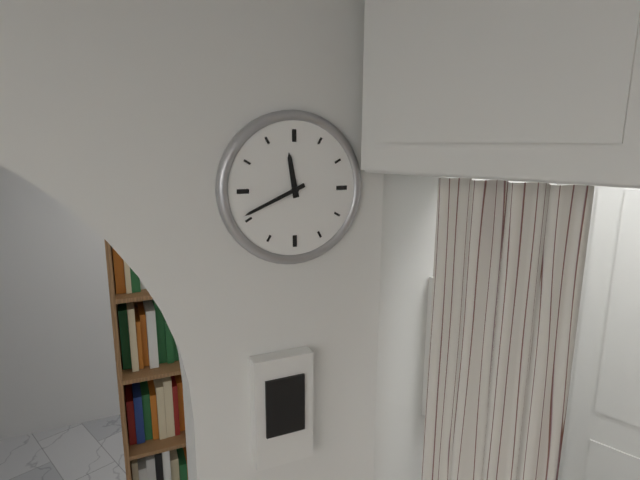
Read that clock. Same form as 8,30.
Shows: 11,41
